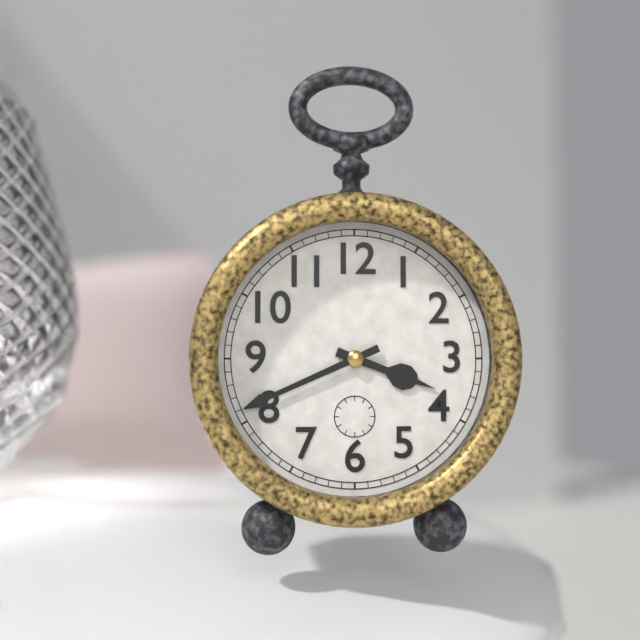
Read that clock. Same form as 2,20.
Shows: 3,41
